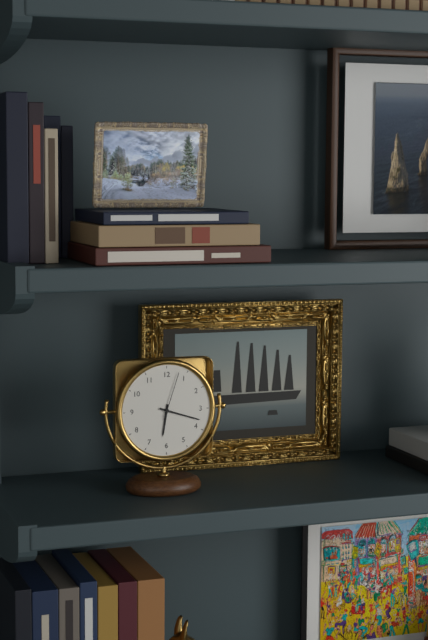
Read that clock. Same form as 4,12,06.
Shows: 6,18,03
